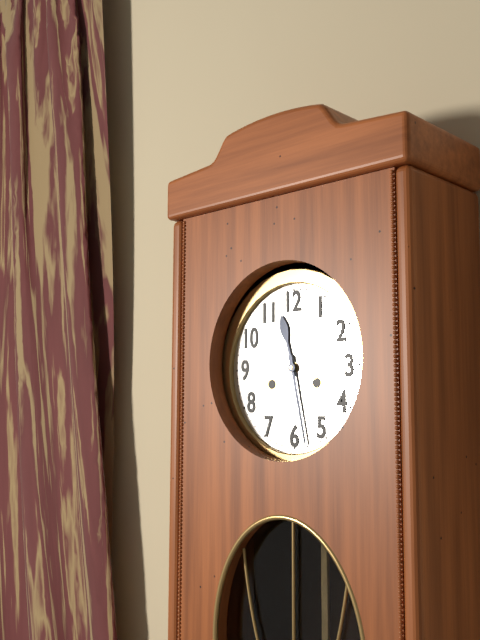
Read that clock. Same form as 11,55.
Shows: 11,28
